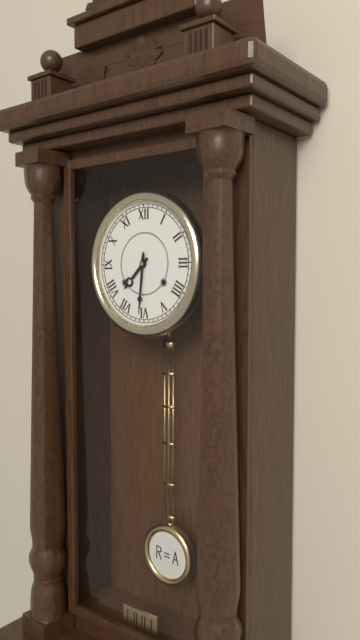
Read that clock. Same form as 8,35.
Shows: 7,31
